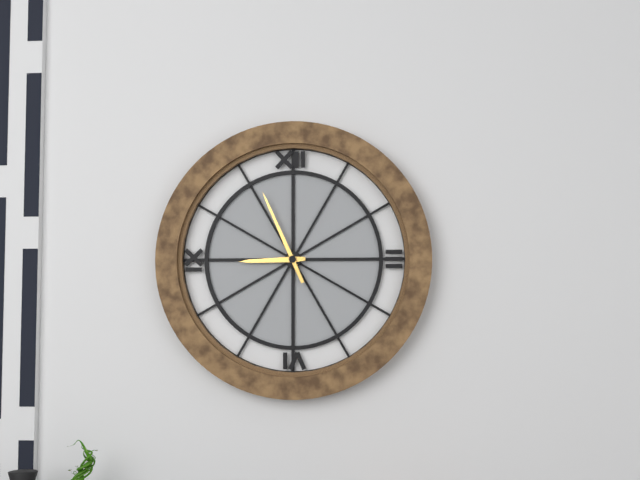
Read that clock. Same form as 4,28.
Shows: 8,56
